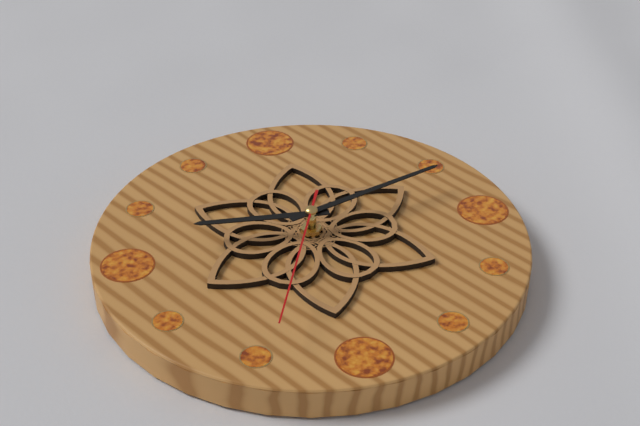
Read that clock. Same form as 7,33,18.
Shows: 9,12,34
